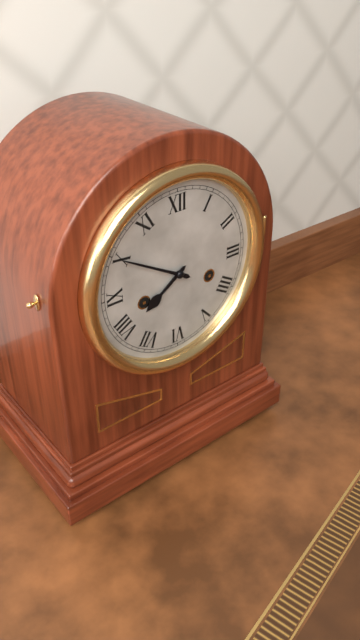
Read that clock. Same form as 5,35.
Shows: 7,50
